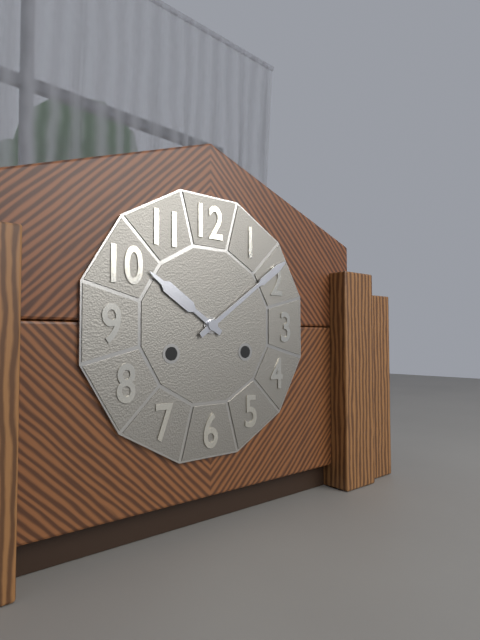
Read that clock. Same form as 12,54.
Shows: 10,09
